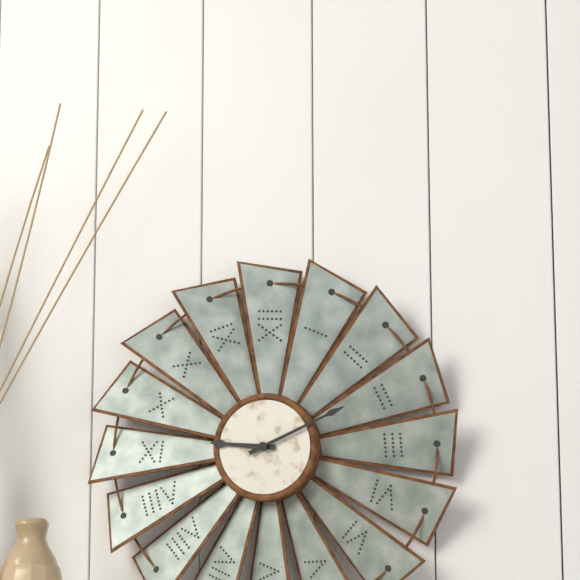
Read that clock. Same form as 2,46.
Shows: 9,11
